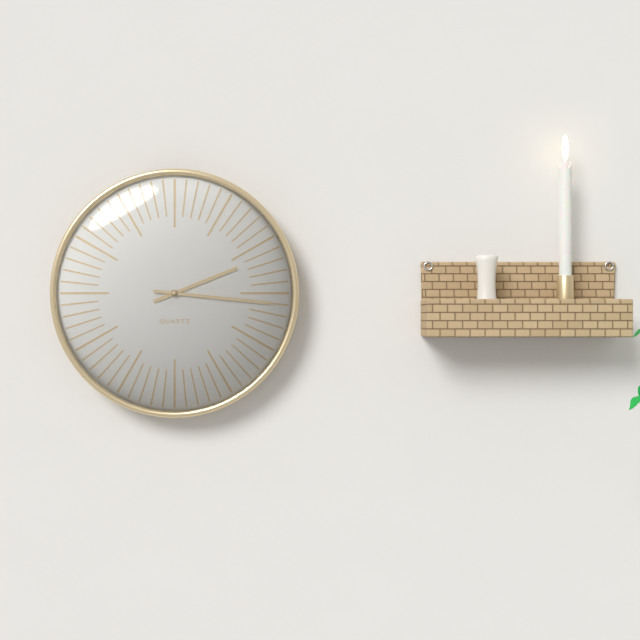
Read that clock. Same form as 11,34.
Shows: 2,16
